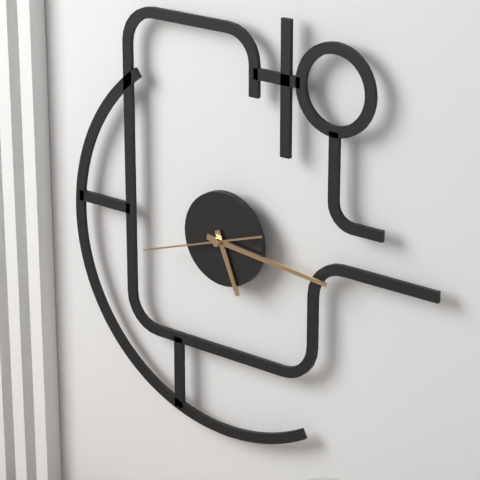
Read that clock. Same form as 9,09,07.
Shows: 5,16,42
